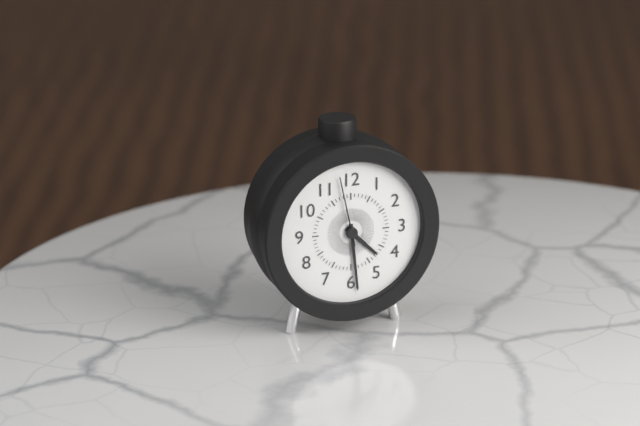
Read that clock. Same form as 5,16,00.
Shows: 4,29,58
